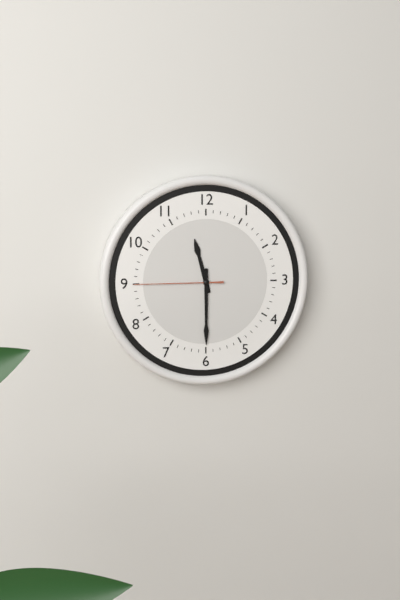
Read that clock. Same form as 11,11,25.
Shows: 11,30,45
